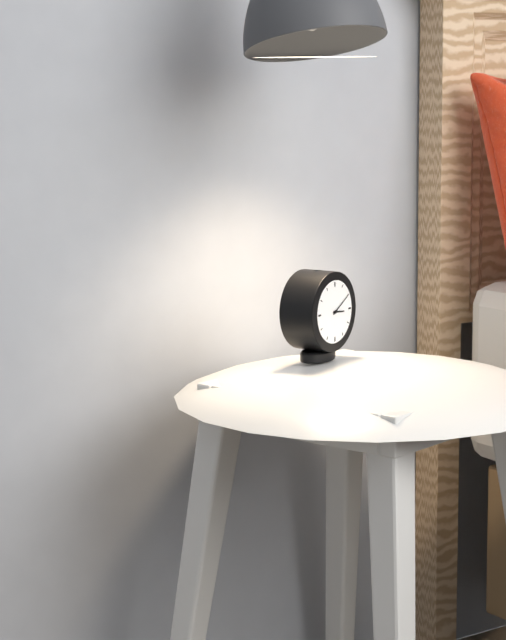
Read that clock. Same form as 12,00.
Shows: 3,10
